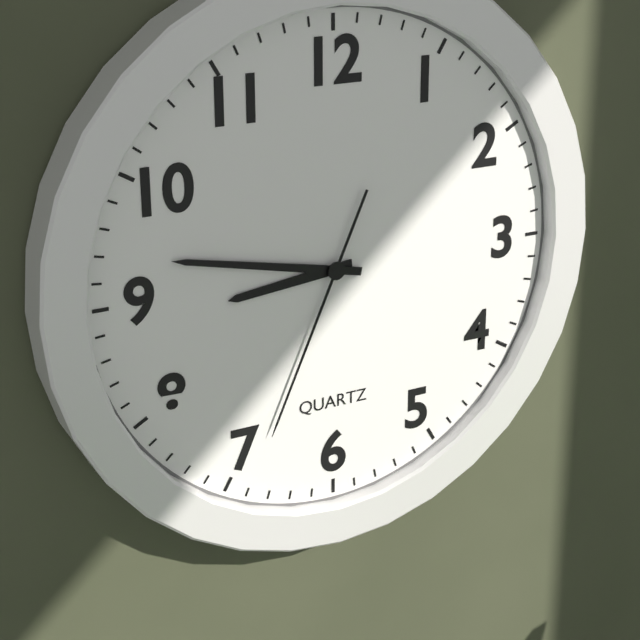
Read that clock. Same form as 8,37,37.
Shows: 8,47,34
